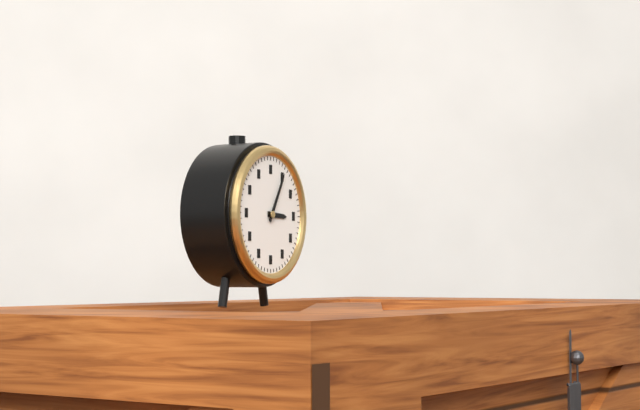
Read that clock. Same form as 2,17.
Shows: 3,05
